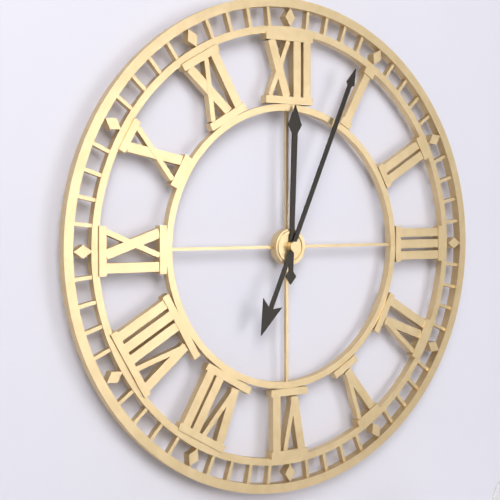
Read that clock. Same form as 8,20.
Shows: 12,04
